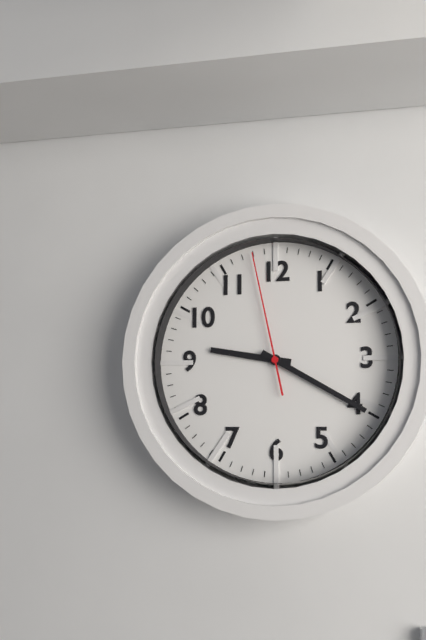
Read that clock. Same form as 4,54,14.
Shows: 9,20,58
